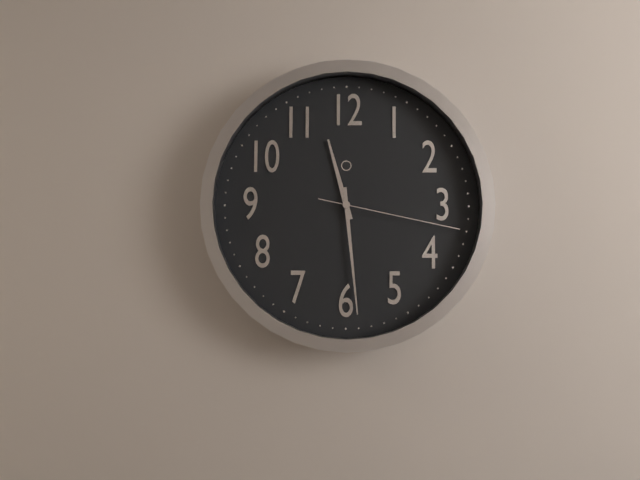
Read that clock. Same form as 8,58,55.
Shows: 11,29,17
